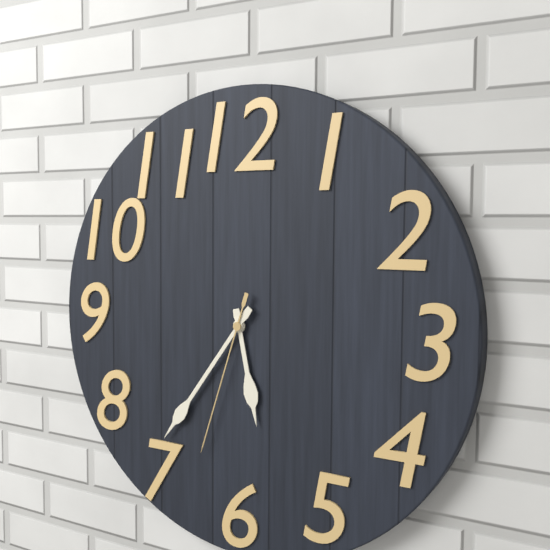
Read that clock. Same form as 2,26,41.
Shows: 5,36,33
